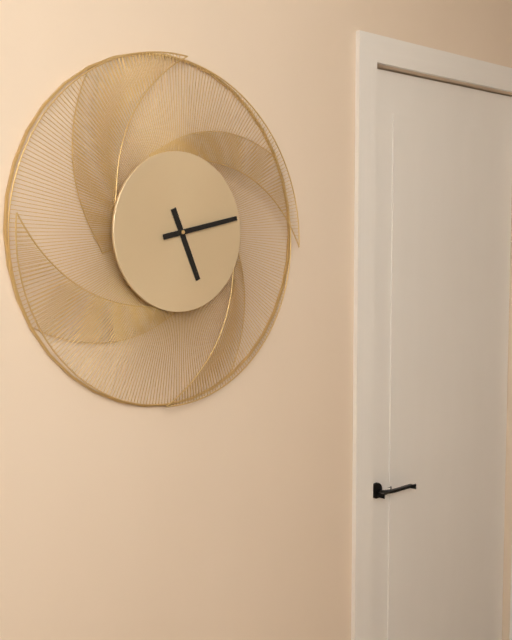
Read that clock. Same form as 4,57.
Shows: 5,13
